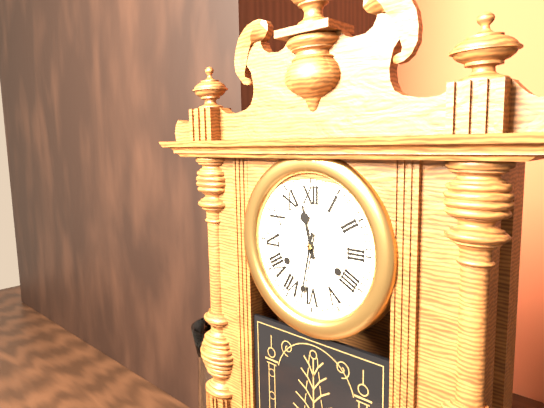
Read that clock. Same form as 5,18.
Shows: 11,32
